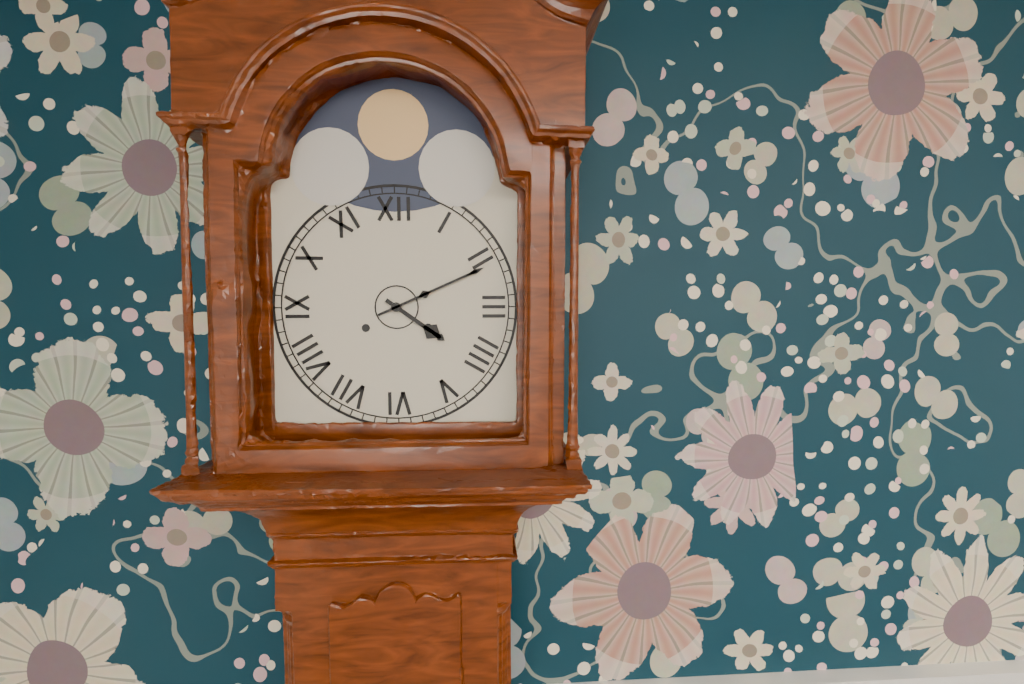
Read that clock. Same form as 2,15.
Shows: 4,11
